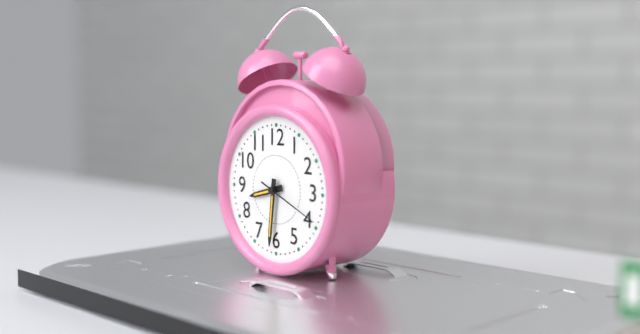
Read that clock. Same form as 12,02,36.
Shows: 8,31,19
